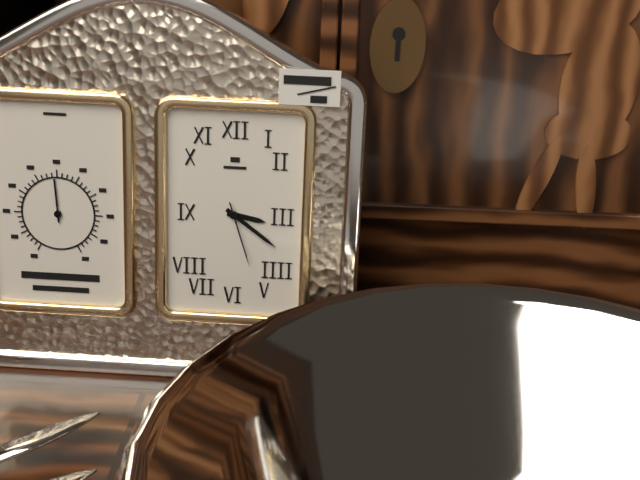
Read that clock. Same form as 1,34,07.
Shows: 3,21,27
